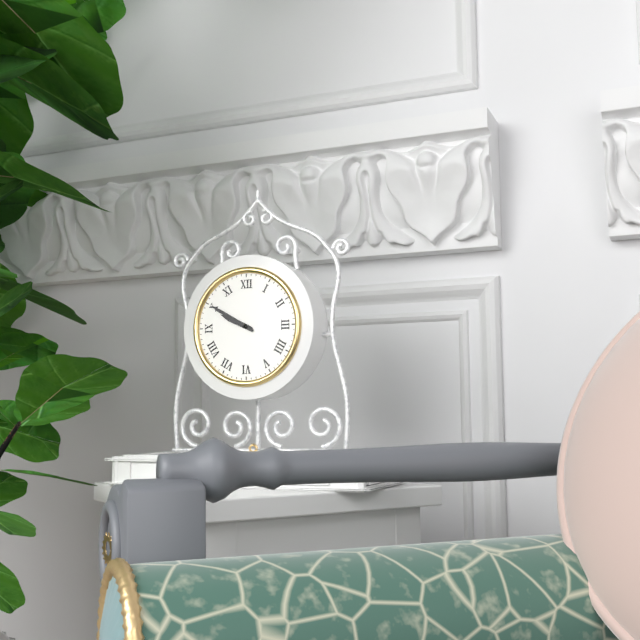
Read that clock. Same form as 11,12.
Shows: 9,50
